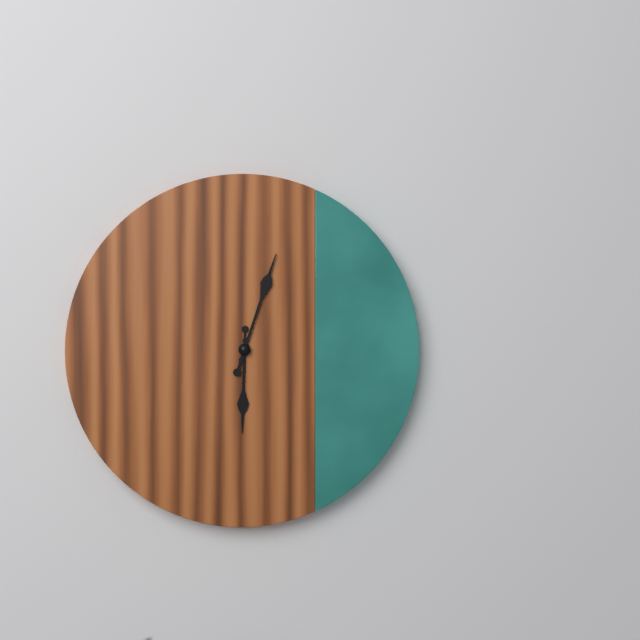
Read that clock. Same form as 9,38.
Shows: 6,03
